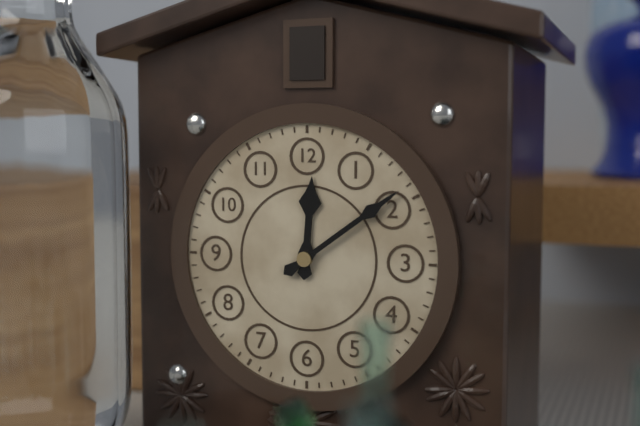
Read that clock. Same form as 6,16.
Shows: 12,09
